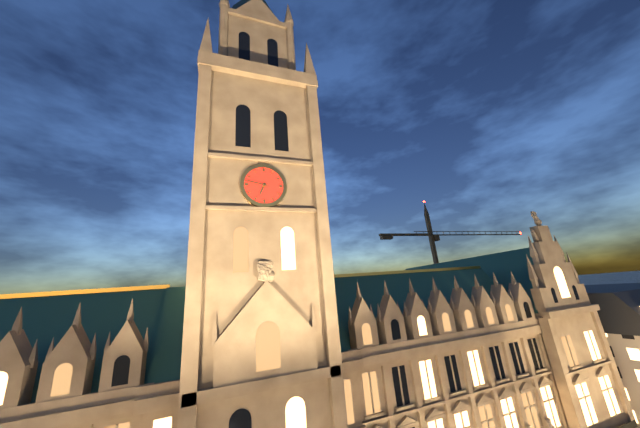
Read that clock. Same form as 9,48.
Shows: 6,47
